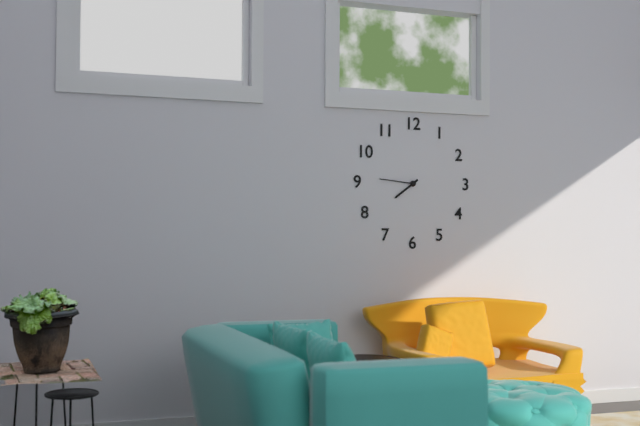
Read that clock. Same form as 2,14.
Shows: 7,46
